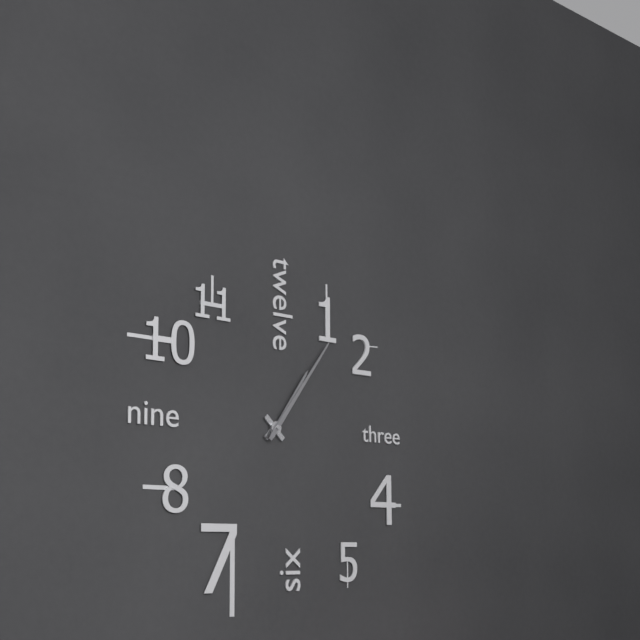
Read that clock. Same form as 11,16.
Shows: 1,06
